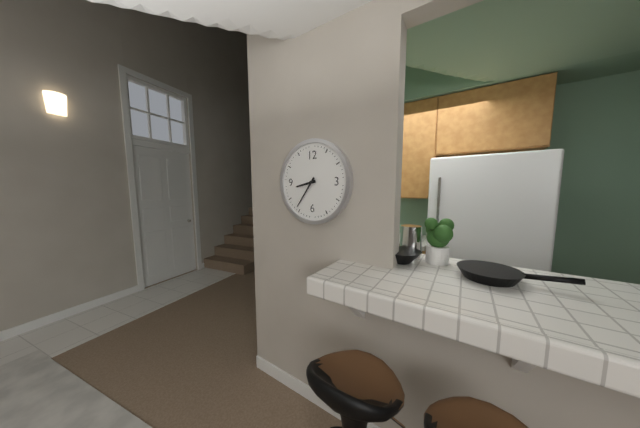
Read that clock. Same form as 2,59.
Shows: 8,36
